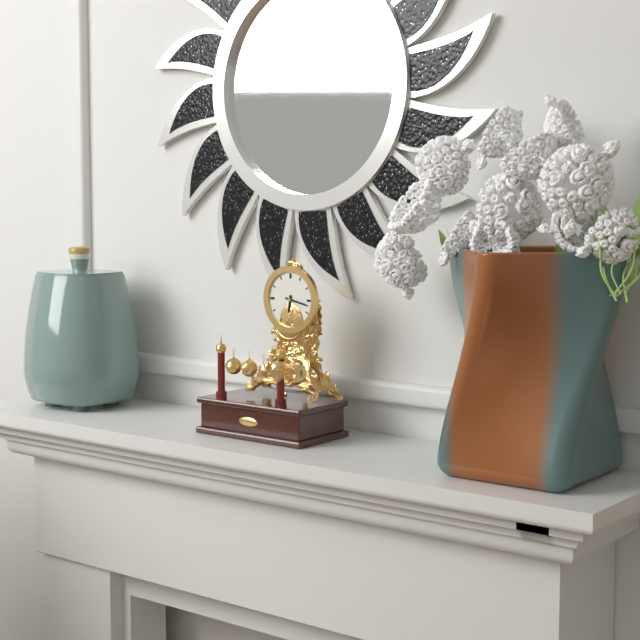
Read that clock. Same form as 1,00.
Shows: 6,17
